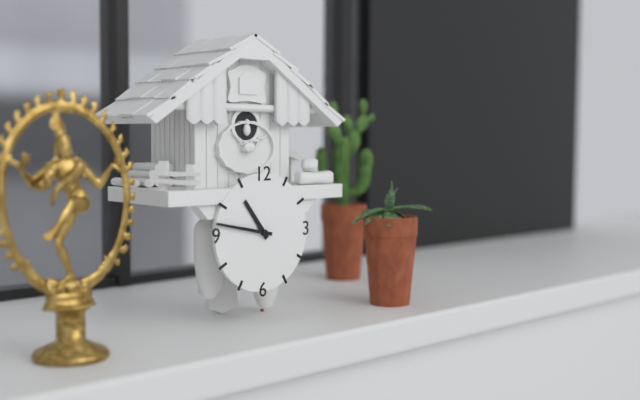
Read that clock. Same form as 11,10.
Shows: 10,47
